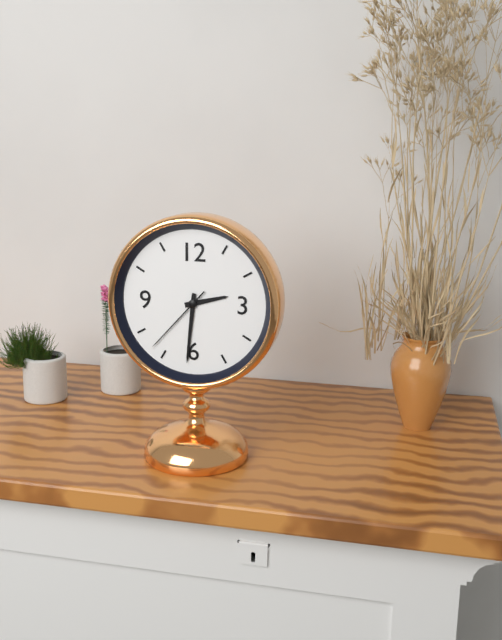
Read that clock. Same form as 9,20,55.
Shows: 2,31,37
